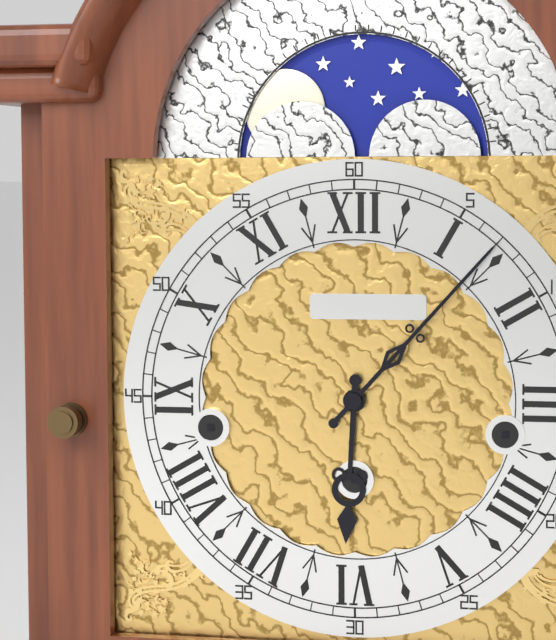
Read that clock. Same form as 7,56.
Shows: 6,07
